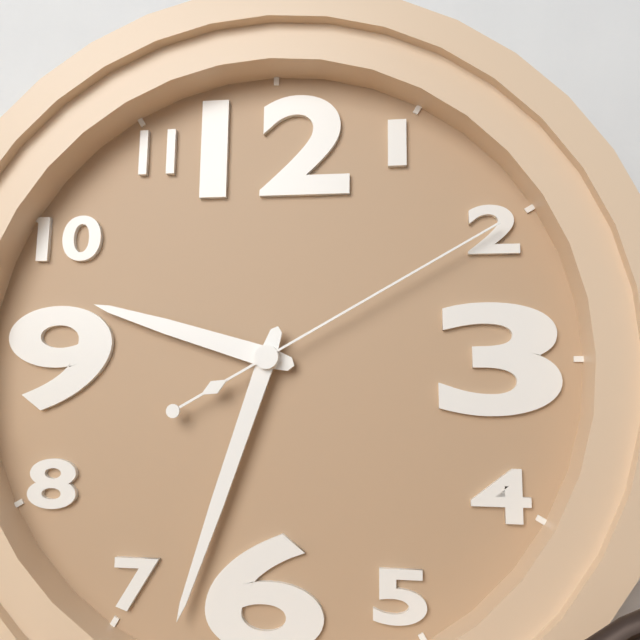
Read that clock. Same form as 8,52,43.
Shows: 9,33,10
